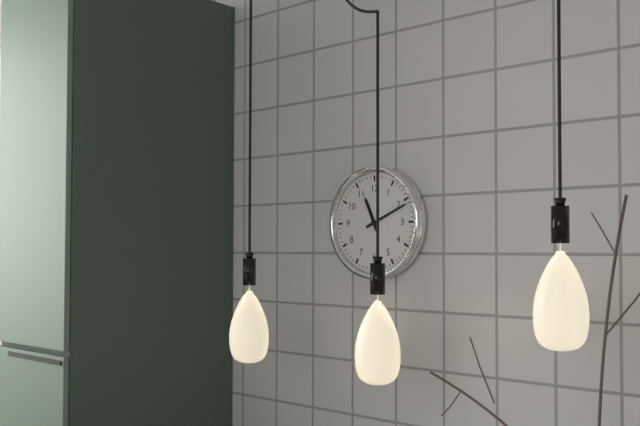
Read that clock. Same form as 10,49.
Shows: 11,11
